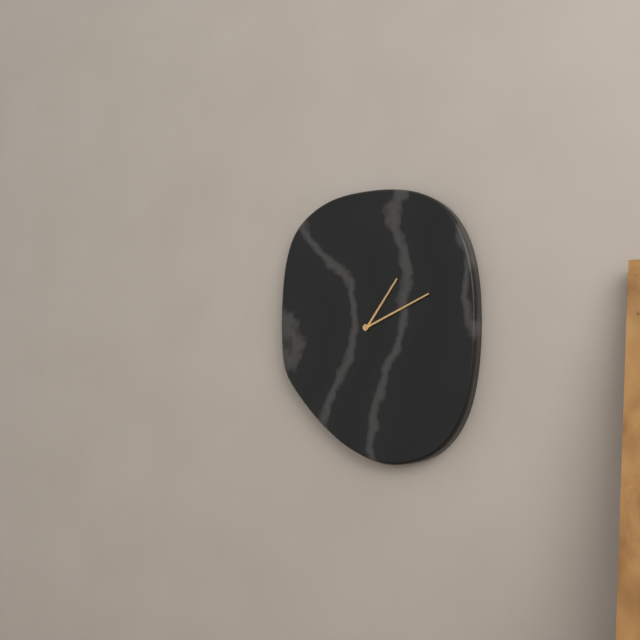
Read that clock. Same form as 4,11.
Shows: 1,11
